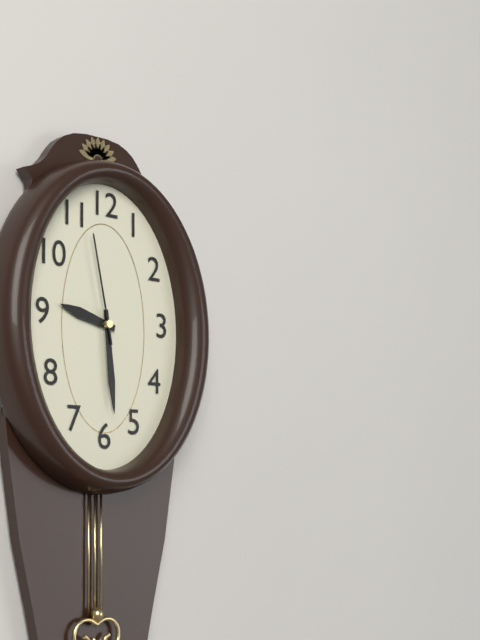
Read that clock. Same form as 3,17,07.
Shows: 9,29,58
